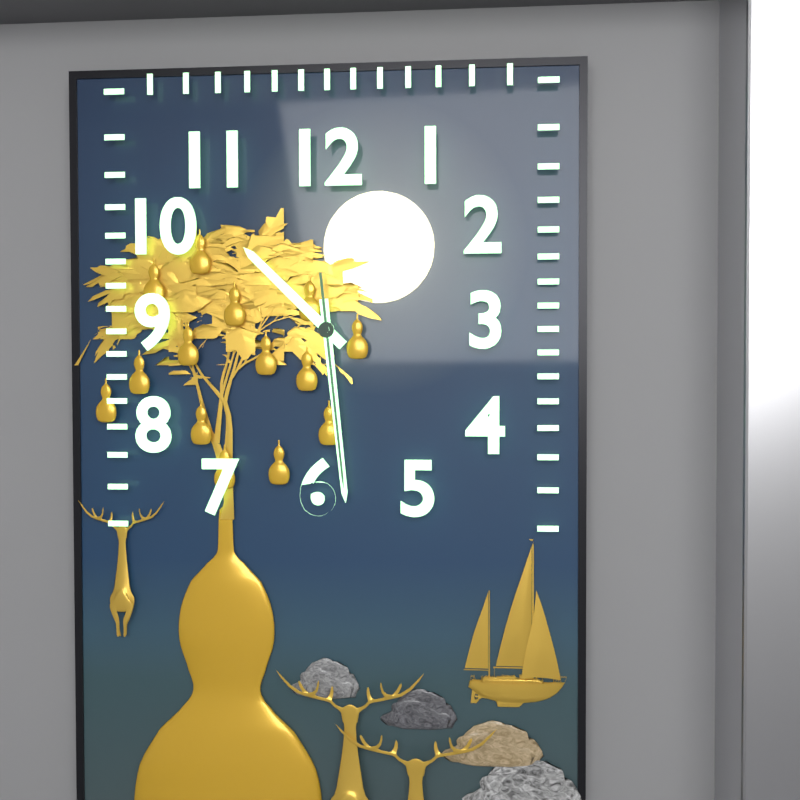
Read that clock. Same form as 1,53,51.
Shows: 10,29,29
